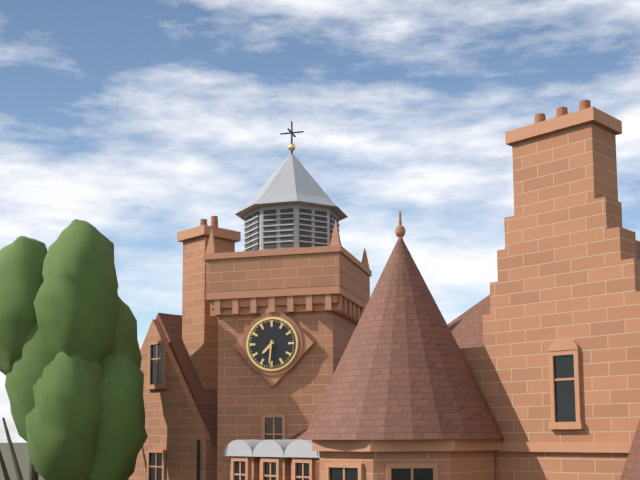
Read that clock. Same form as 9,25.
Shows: 7,31
